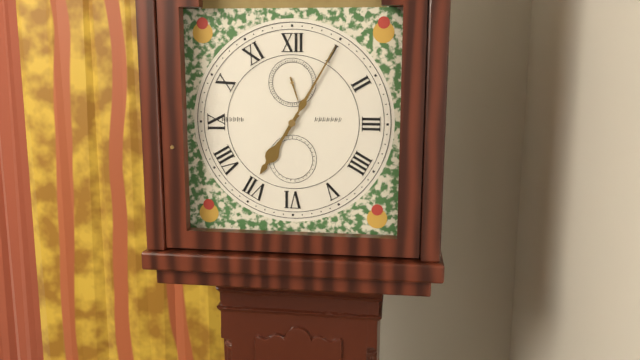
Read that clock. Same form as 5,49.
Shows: 7,05
